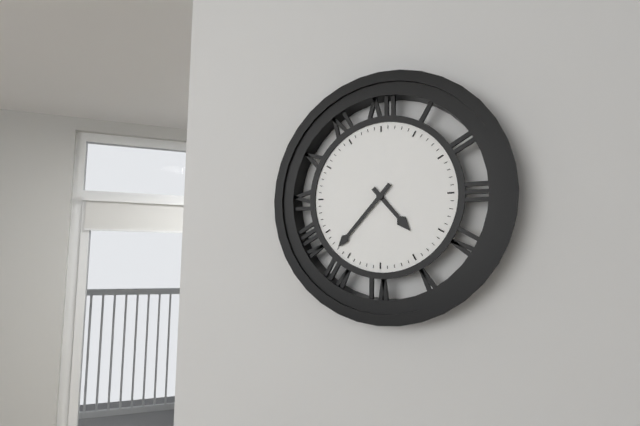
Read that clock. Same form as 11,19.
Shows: 4,37
